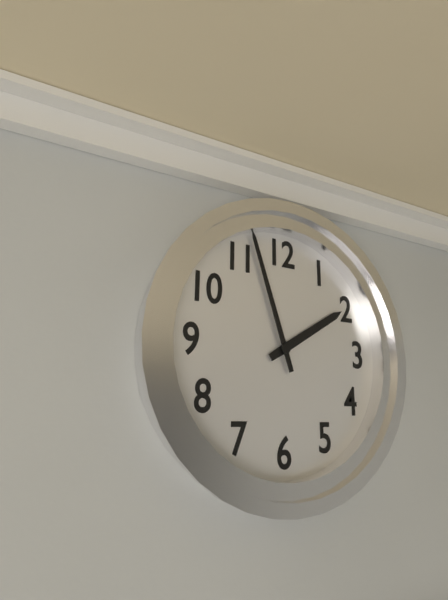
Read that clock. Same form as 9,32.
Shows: 1,57
